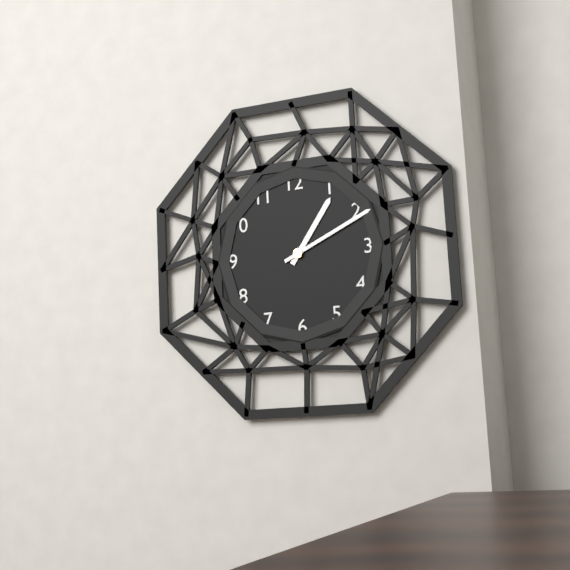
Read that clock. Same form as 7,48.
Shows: 1,11
